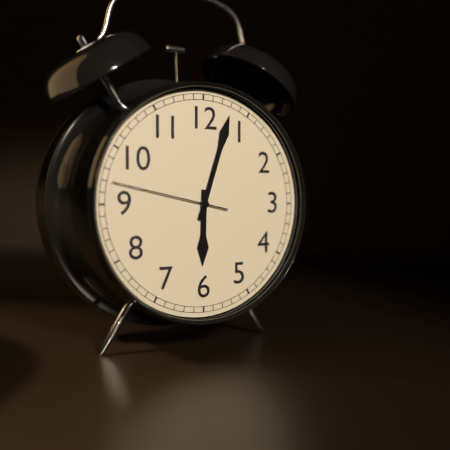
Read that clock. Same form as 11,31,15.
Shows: 6,03,47
